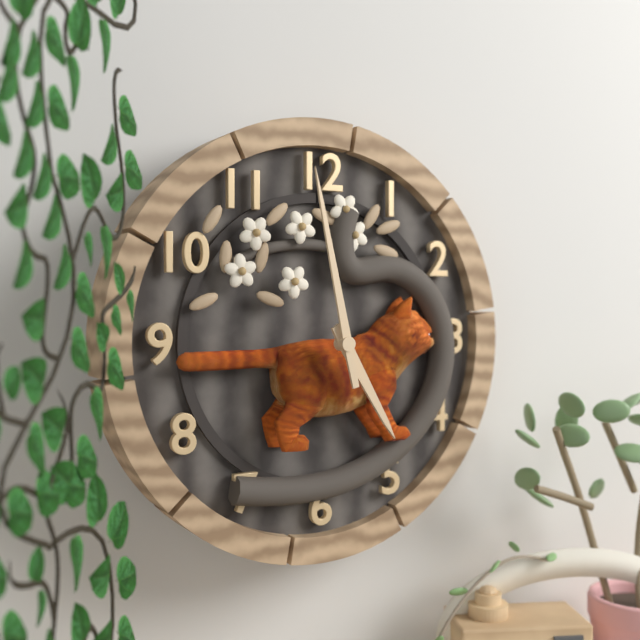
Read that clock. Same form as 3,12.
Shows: 4,58
